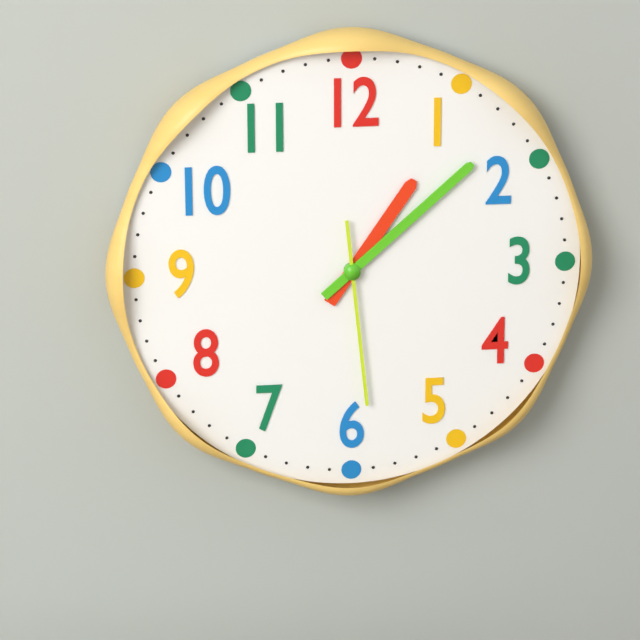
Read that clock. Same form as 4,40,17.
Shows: 1,08,29
